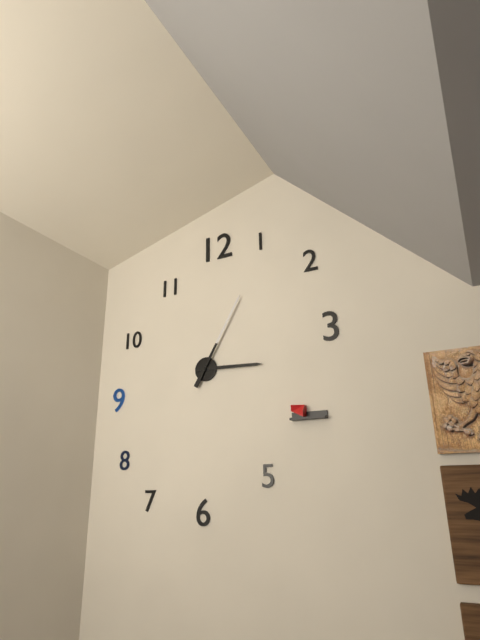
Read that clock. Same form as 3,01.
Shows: 3,05
